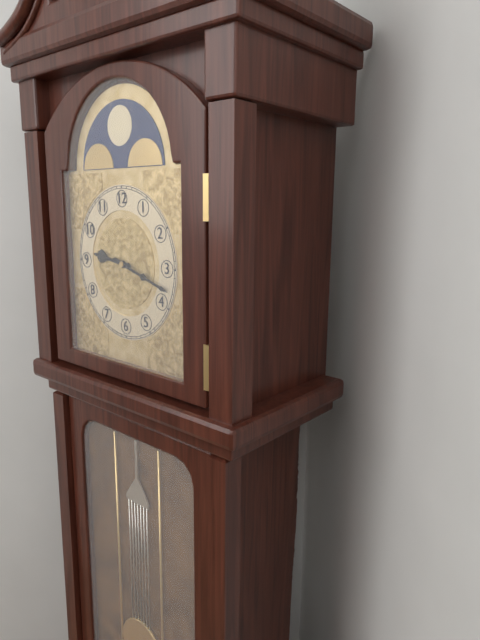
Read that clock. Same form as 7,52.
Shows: 9,18
